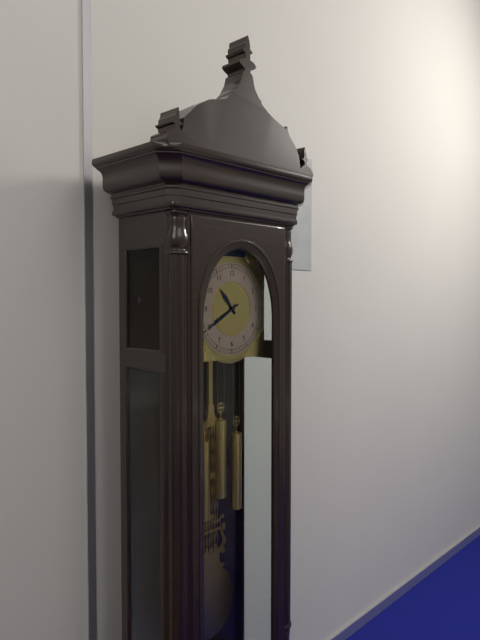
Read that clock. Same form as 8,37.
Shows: 10,40
